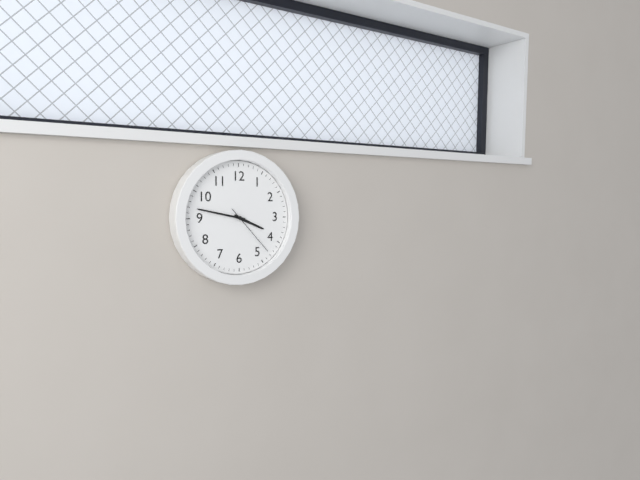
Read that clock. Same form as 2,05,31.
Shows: 3,47,23
